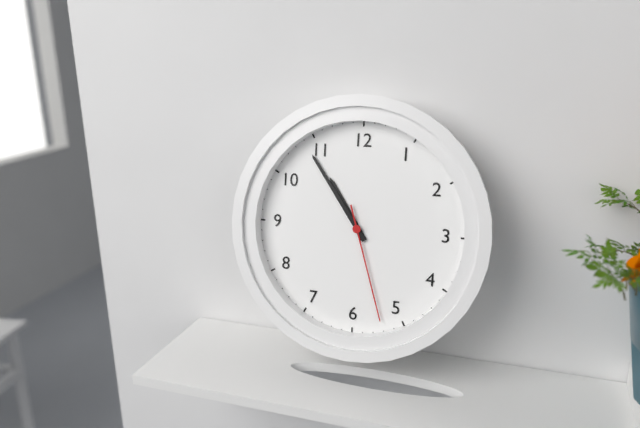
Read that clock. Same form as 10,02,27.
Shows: 10,54,27
